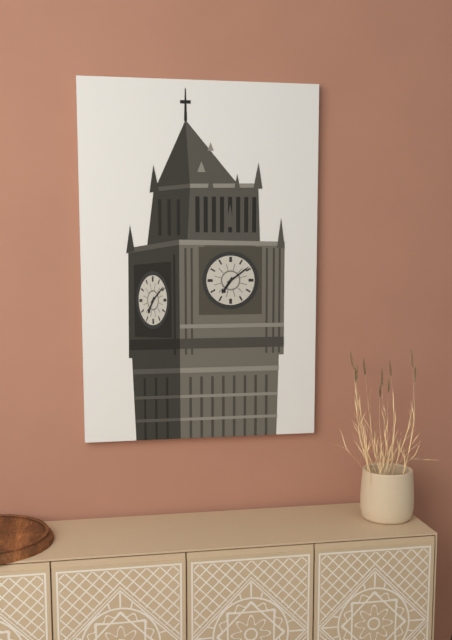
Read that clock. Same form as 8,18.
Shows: 7,09
